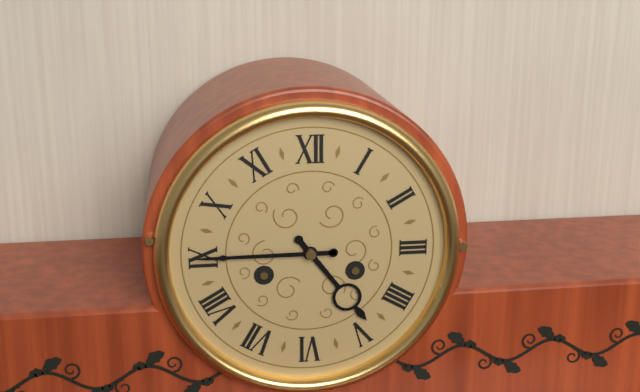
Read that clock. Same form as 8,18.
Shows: 4,45
